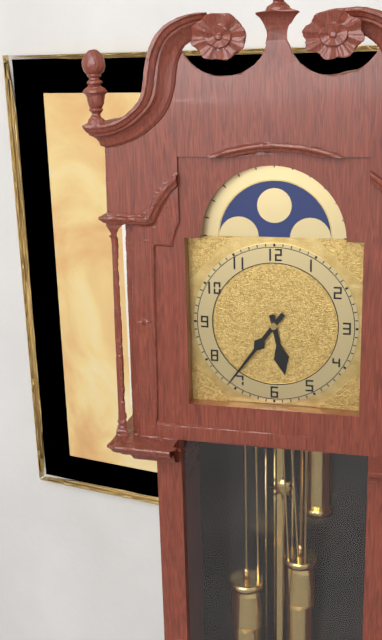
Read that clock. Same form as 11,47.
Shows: 5,36
